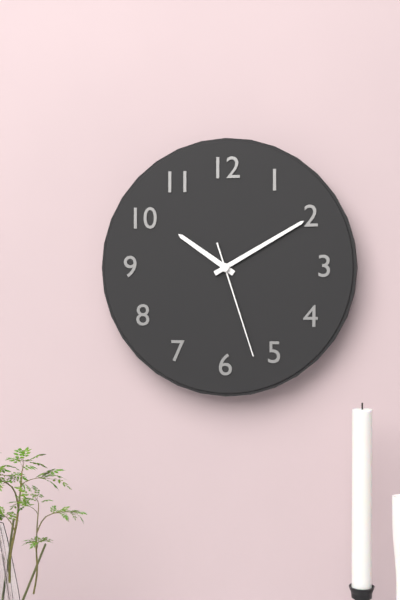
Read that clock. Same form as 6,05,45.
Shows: 10,10,27
